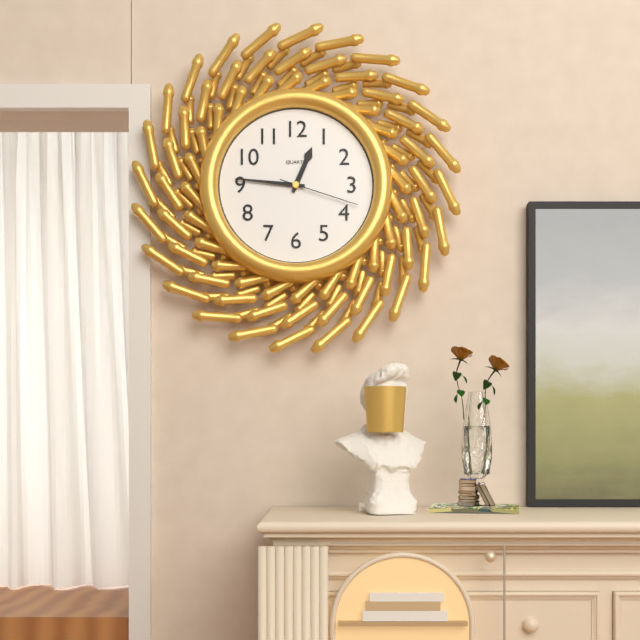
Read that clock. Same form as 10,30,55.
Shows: 12,46,18
